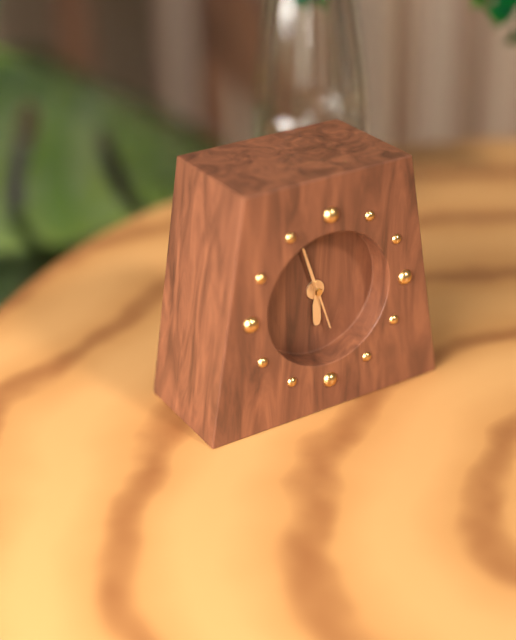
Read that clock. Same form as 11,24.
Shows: 5,57
